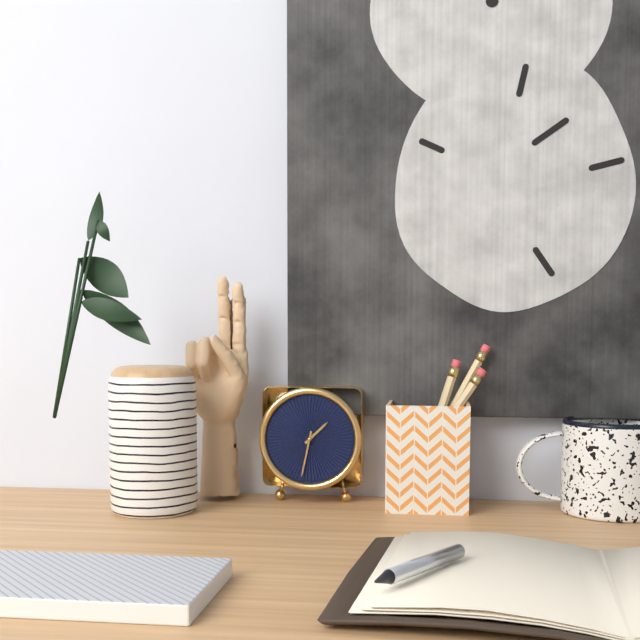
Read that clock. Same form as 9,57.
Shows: 1,32
